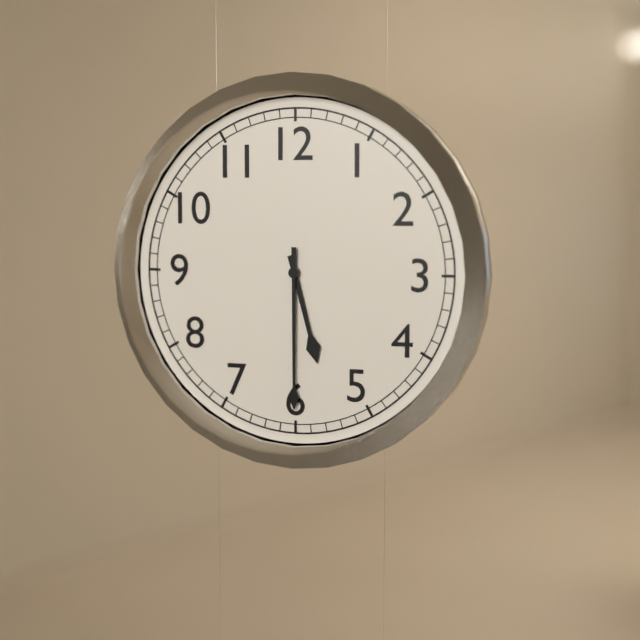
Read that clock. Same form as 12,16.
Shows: 5,30
